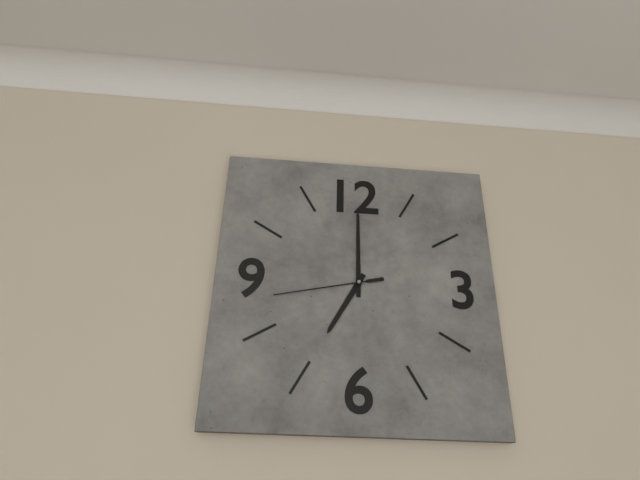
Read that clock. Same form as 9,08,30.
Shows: 7,00,43
